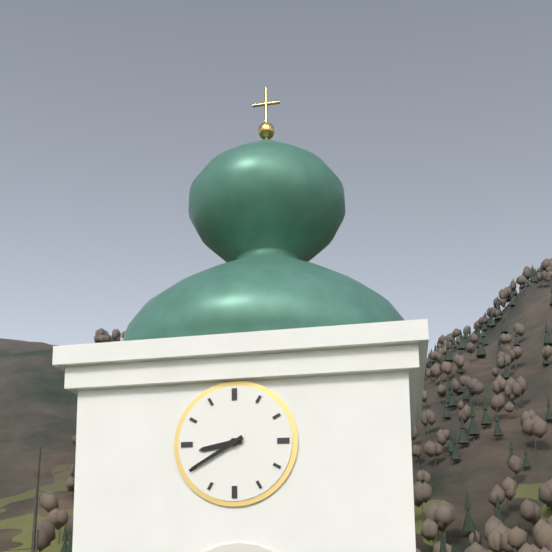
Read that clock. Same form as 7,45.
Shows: 8,40
